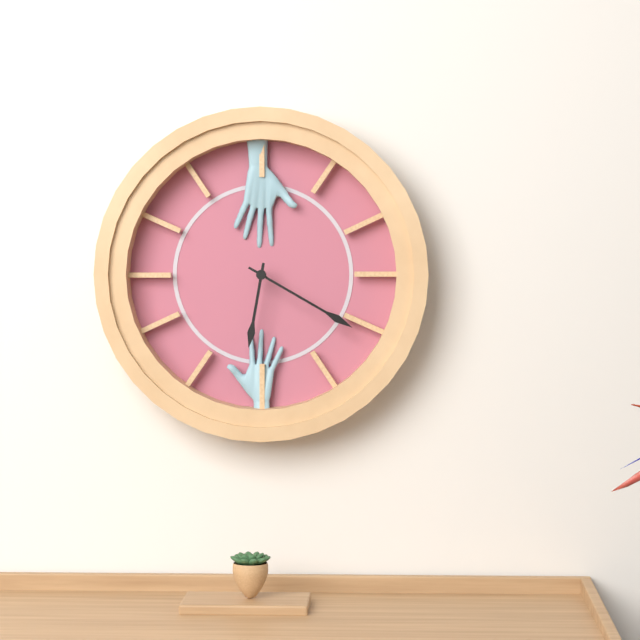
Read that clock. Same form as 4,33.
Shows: 6,20
